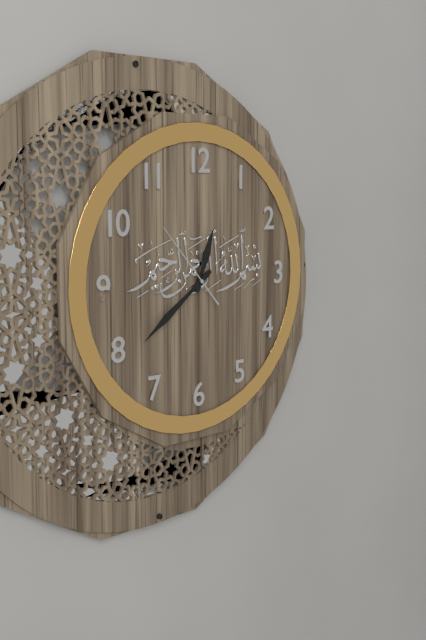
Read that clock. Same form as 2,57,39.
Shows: 12,39,53
